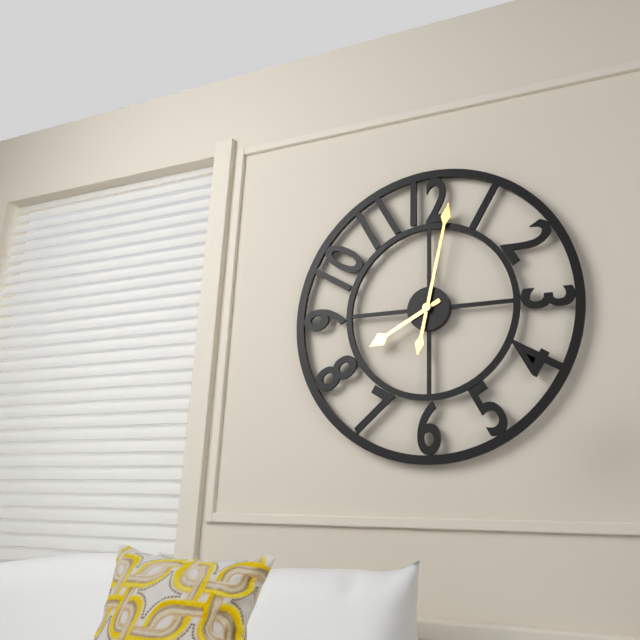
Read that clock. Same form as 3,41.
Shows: 8,02
